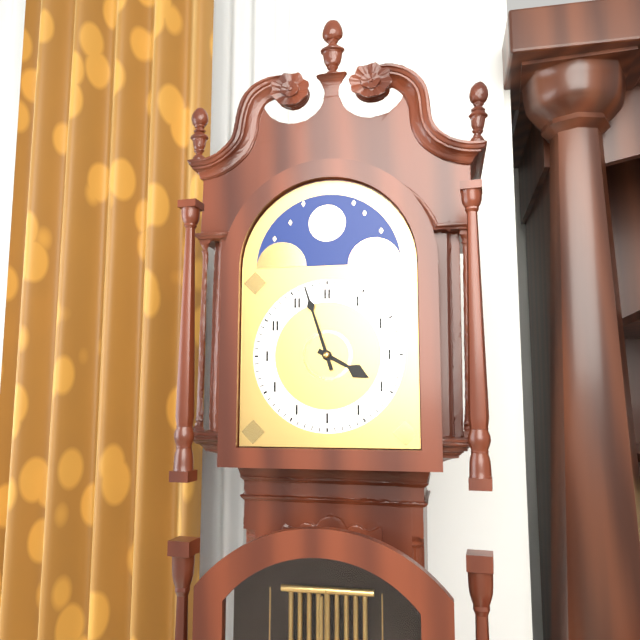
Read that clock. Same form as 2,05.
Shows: 3,57
